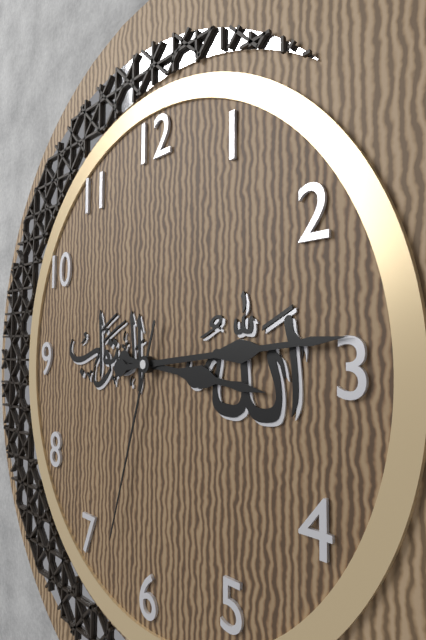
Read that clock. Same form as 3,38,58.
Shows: 3,14,33
